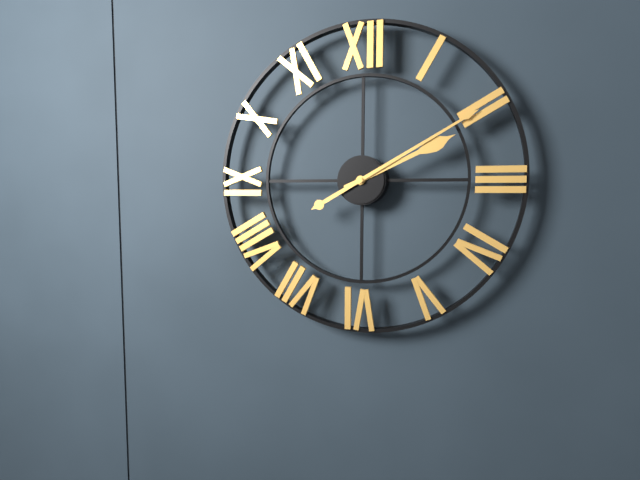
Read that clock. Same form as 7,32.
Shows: 2,10
